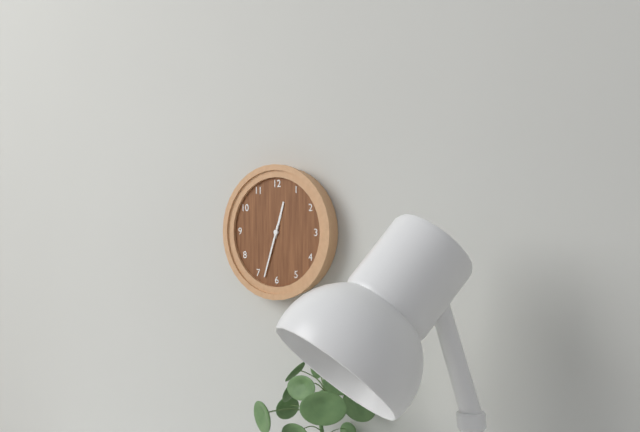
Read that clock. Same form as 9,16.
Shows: 12,33
